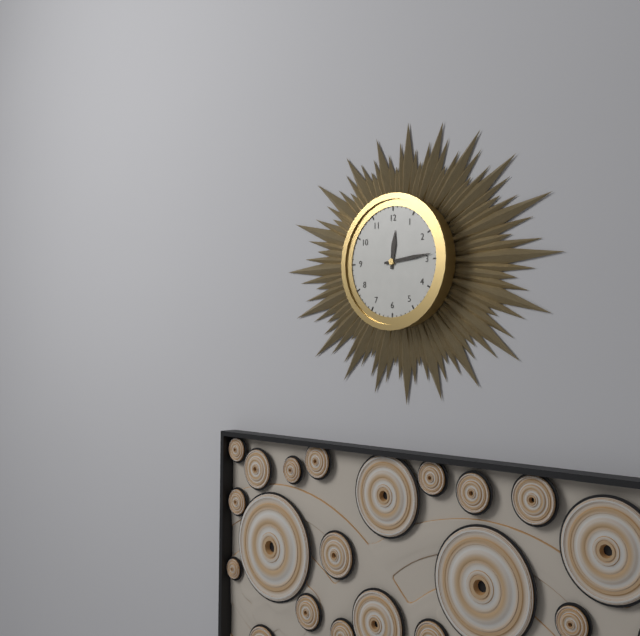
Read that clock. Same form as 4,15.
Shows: 12,14
